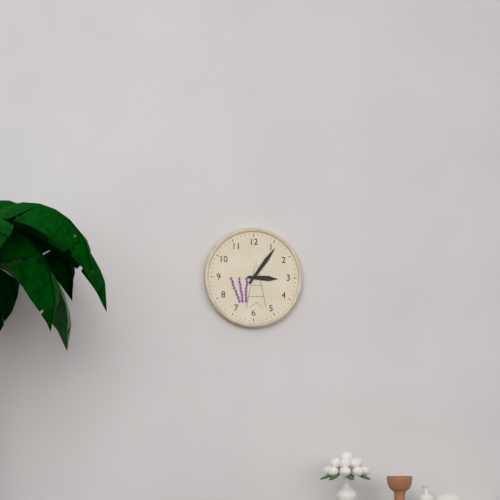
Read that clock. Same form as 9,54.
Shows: 3,06
